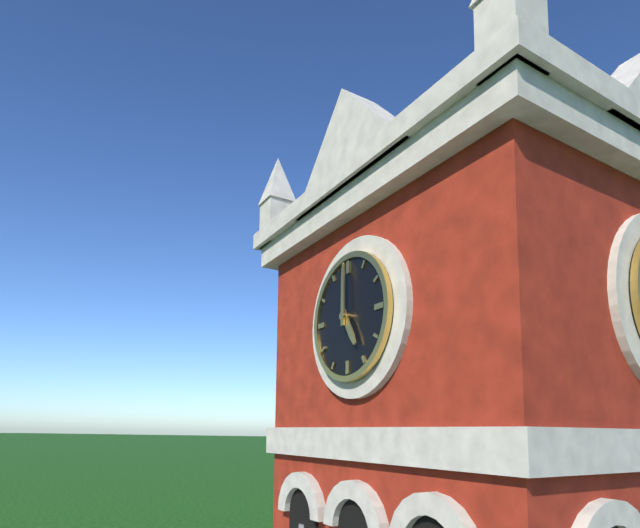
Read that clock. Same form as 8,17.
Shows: 5,00
